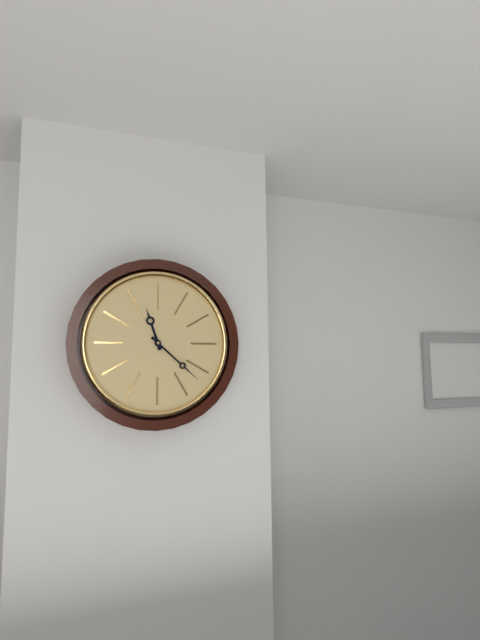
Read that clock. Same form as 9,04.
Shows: 11,22
